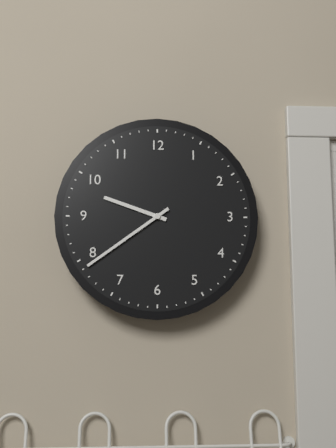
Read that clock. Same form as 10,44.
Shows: 9,39
